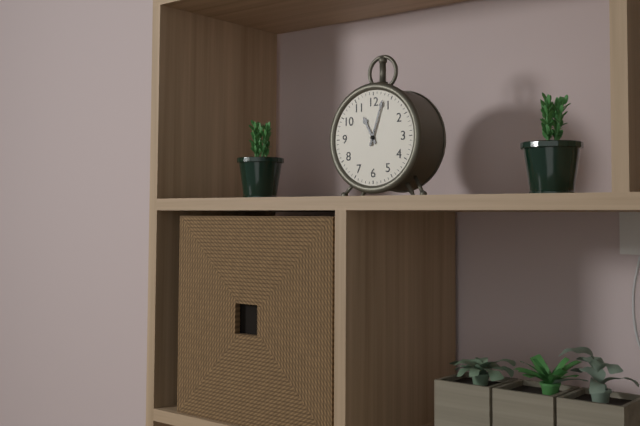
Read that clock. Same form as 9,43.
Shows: 11,03
